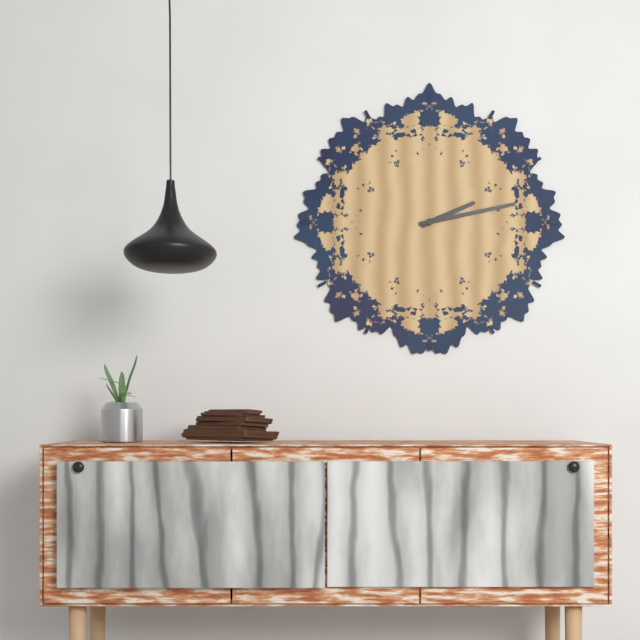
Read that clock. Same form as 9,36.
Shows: 2,13
